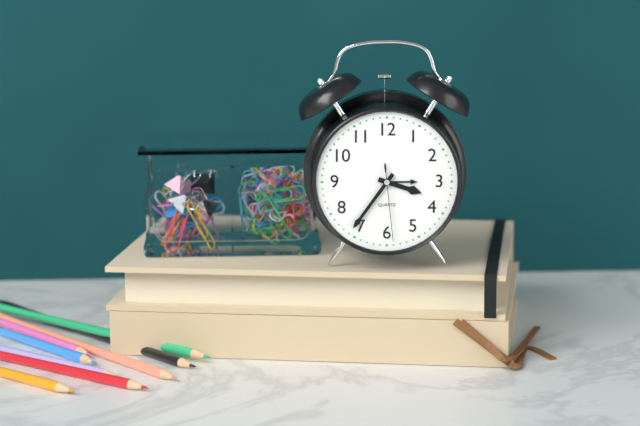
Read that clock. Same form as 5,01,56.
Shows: 3,36,29
